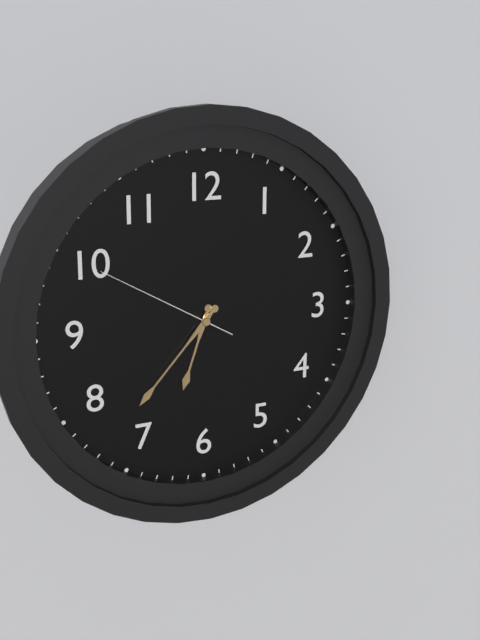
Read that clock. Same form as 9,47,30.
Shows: 6,37,50
